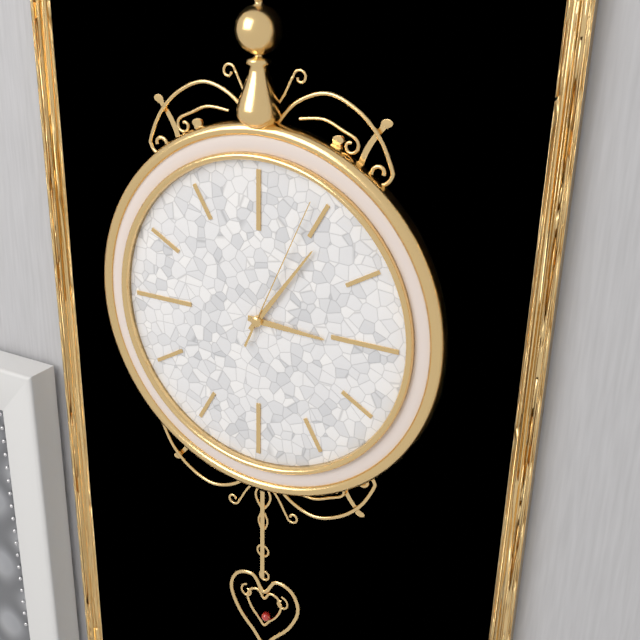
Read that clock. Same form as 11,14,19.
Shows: 3,06,04
